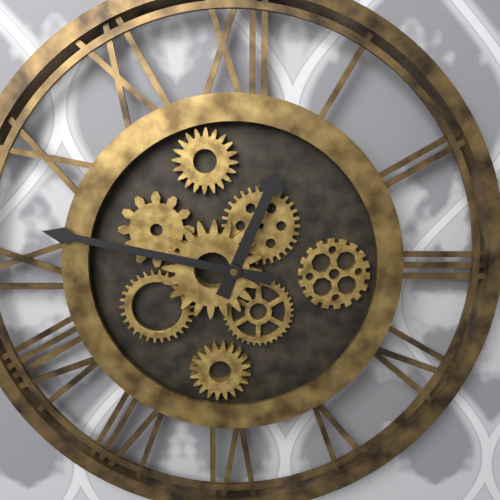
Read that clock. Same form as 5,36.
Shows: 12,47
